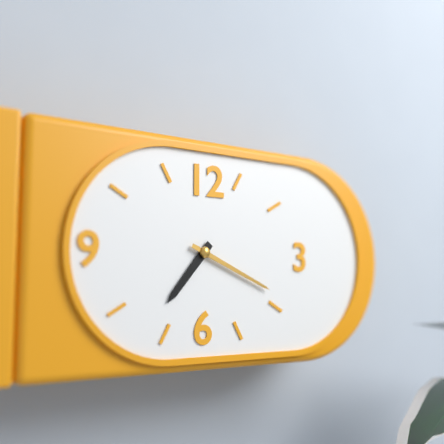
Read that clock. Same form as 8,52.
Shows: 7,19
